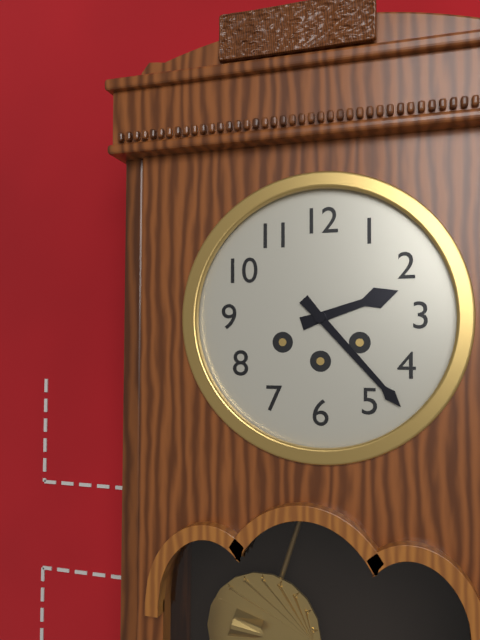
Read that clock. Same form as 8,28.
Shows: 2,23
